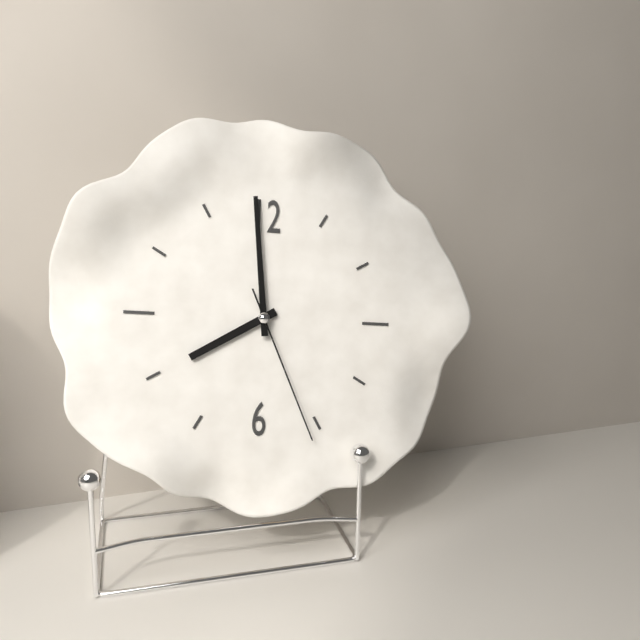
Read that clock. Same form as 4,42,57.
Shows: 7,59,26
